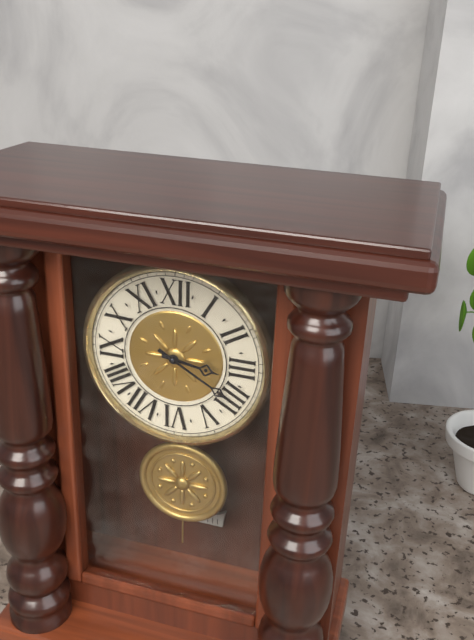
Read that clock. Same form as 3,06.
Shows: 3,20
